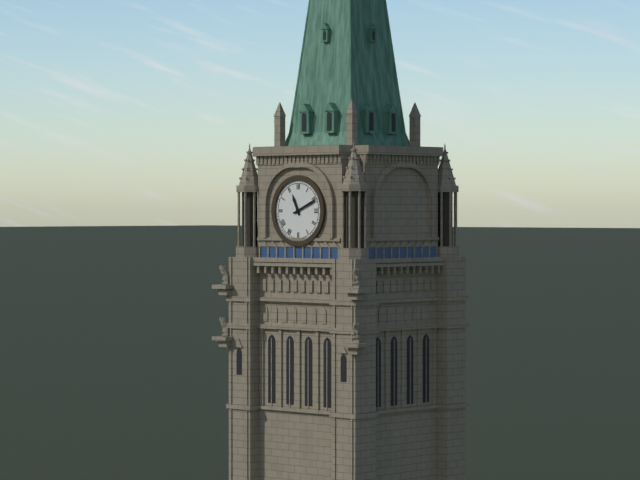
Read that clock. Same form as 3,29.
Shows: 11,11
